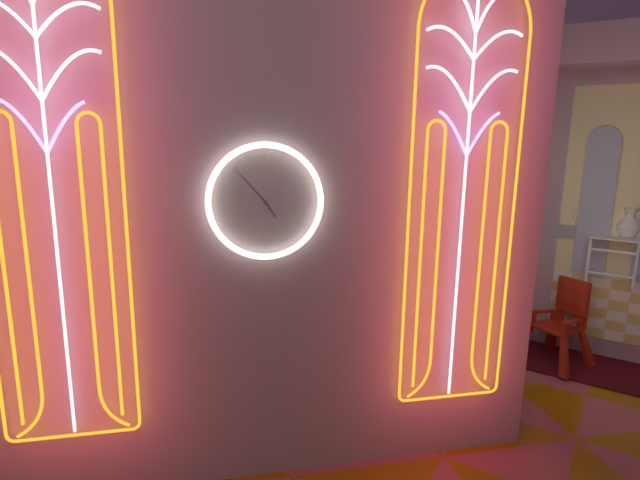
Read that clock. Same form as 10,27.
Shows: 4,53
